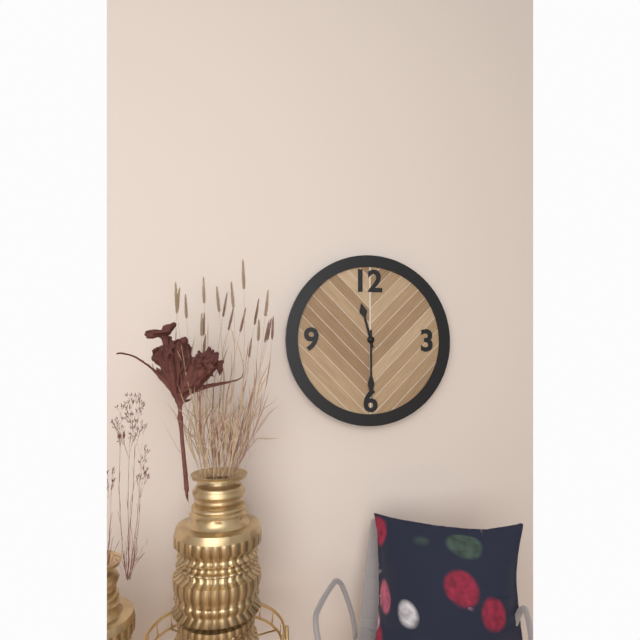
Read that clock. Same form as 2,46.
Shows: 11,30
